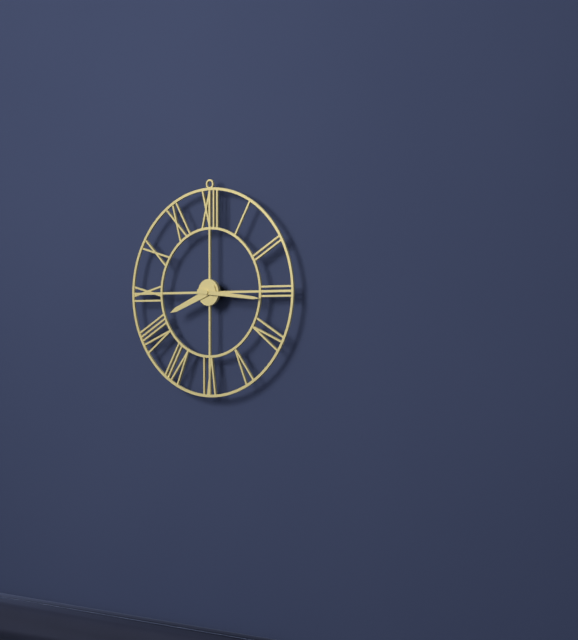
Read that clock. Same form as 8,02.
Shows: 8,16
